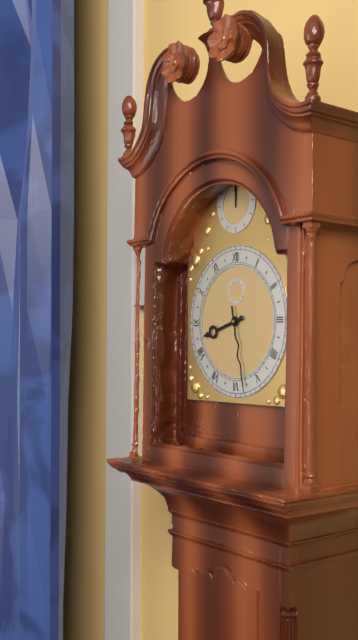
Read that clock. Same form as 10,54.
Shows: 8,28
